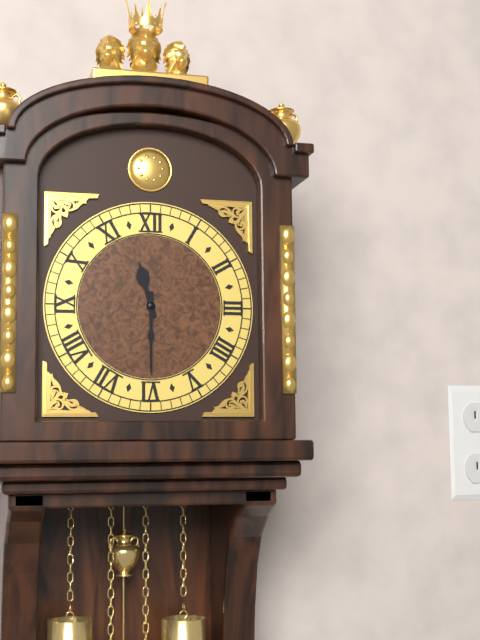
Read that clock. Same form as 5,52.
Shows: 11,30
